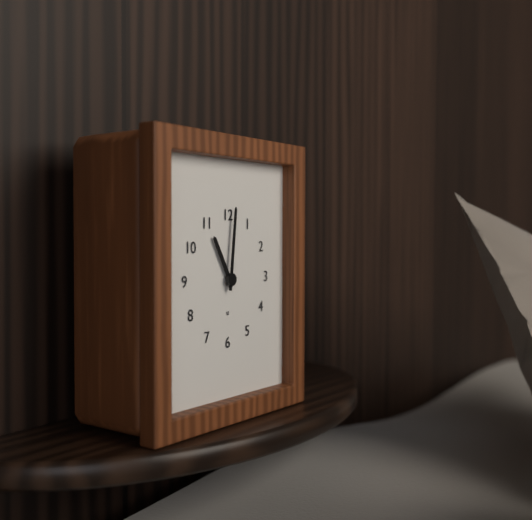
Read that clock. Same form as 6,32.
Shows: 11,01
